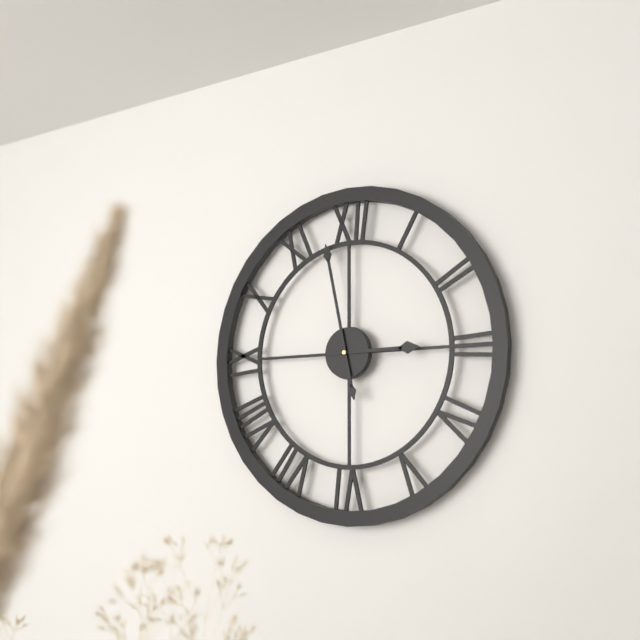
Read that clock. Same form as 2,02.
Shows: 2,58
